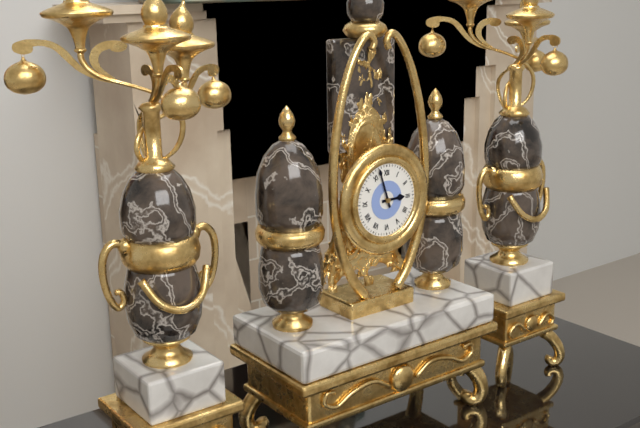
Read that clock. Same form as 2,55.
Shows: 2,57
